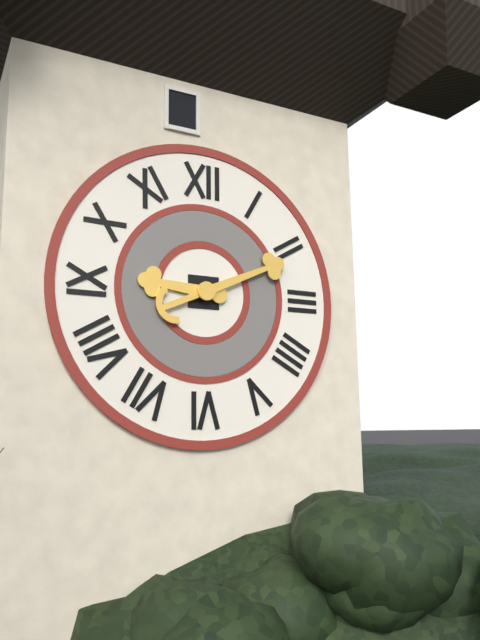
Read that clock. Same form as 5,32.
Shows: 9,11
